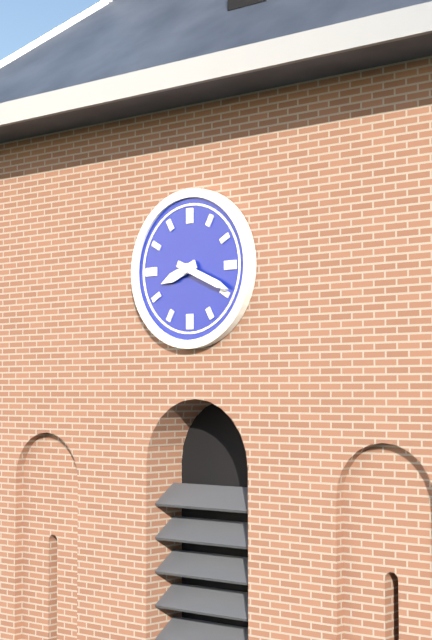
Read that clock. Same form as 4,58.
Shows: 8,19
